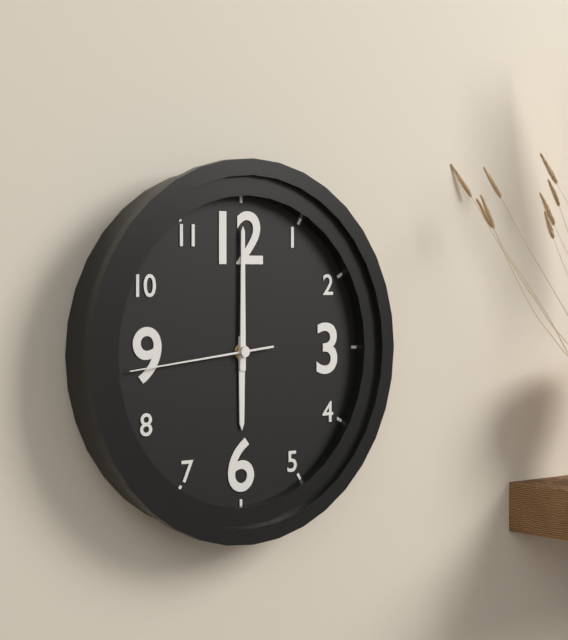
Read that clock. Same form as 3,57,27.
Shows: 6,00,44
